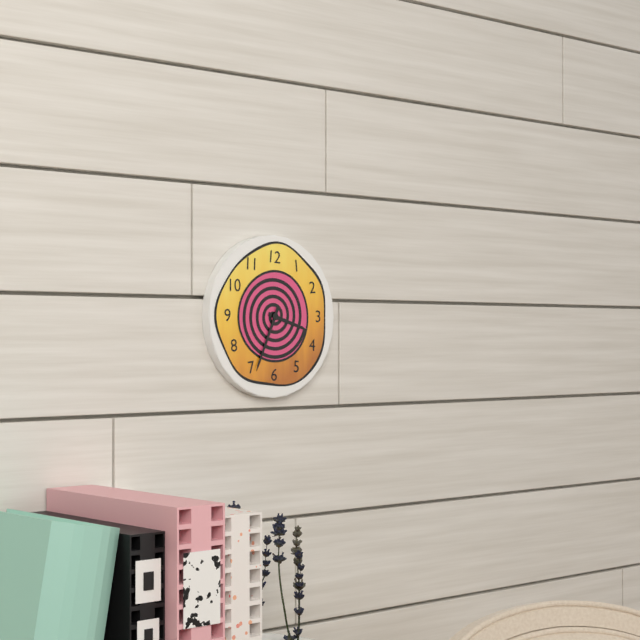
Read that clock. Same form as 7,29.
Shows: 3,34
